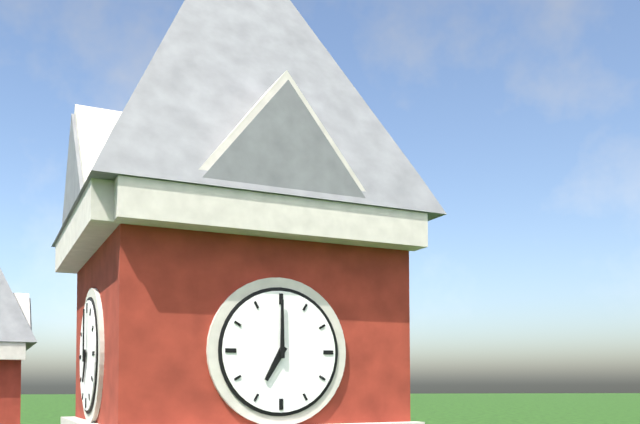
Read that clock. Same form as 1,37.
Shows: 7,00
